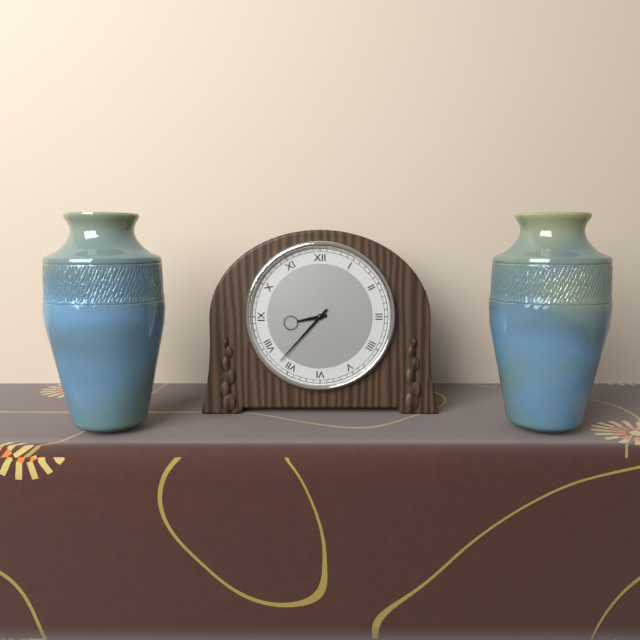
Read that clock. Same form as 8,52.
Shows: 8,37
